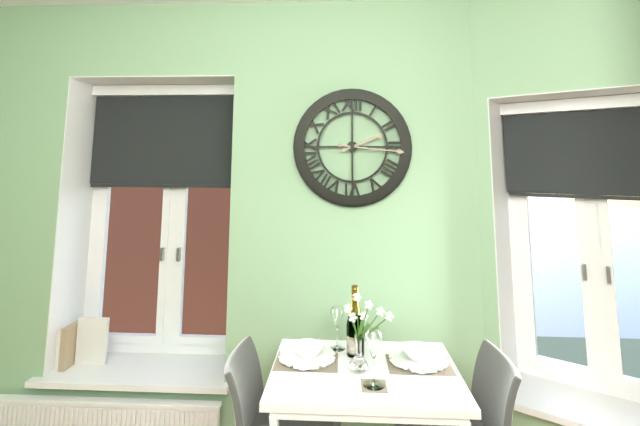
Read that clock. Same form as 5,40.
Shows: 2,16
